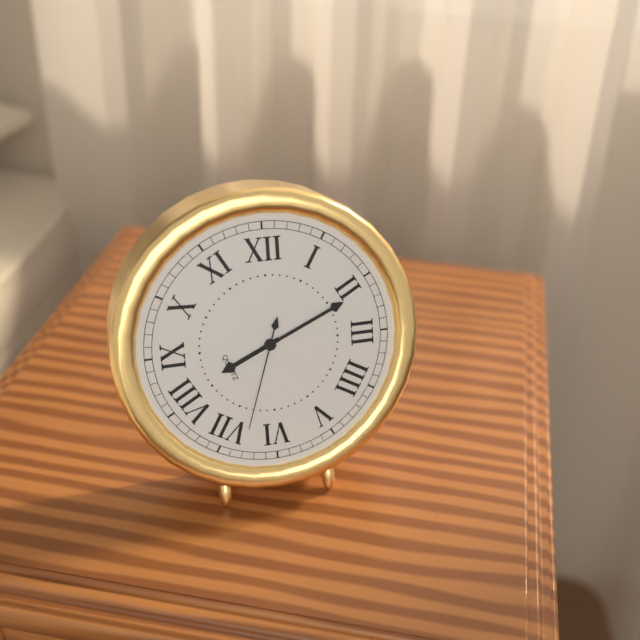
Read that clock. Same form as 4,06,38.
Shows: 8,11,33
